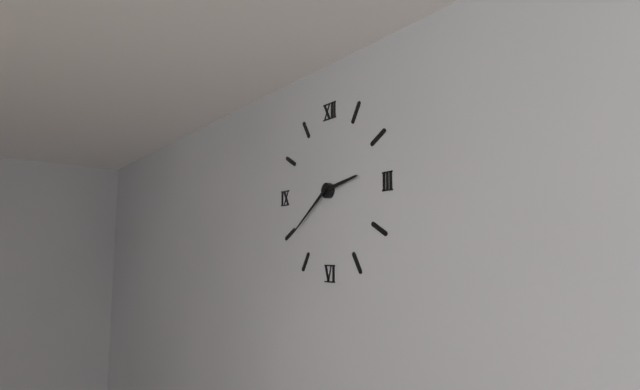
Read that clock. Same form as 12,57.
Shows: 2,39
